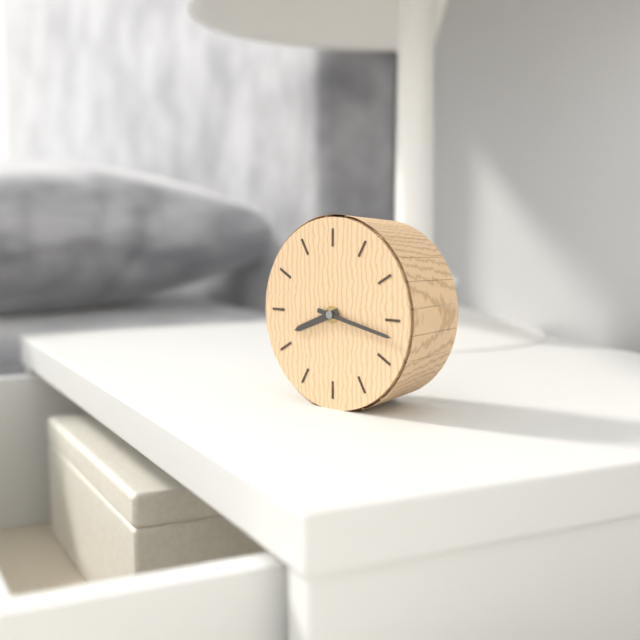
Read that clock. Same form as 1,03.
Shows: 8,17
